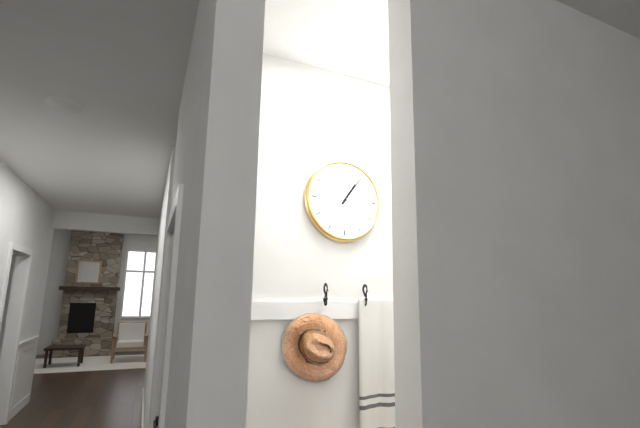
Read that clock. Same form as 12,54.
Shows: 1,06
